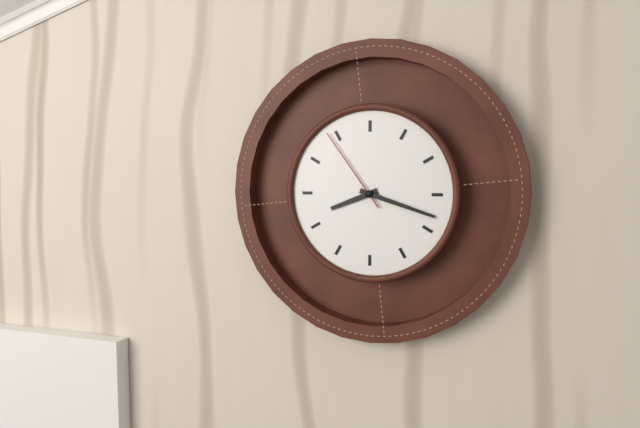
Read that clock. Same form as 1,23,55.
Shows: 8,18,54
